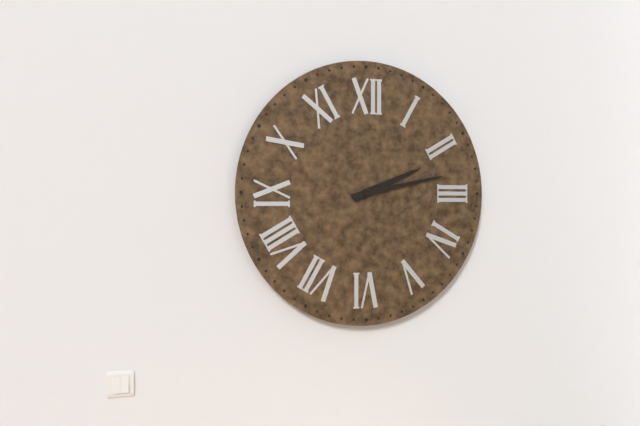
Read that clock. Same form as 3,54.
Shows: 2,13
